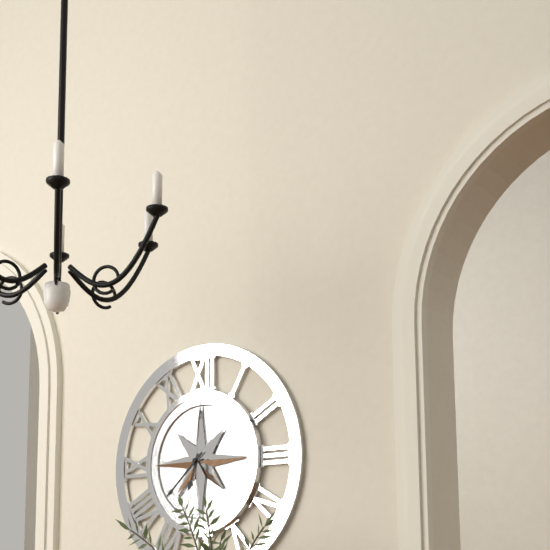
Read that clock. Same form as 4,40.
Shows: 6,38
